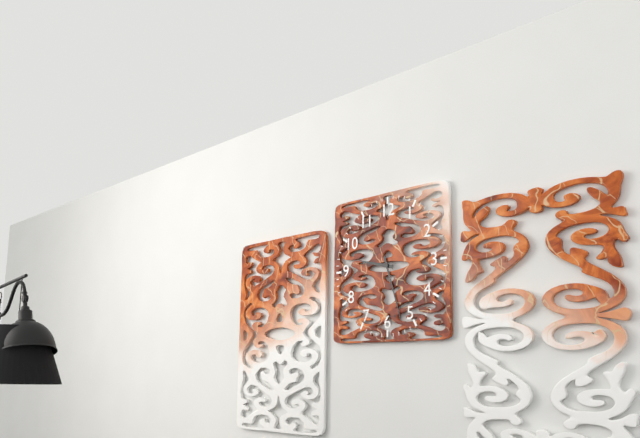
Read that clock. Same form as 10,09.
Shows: 9,27
